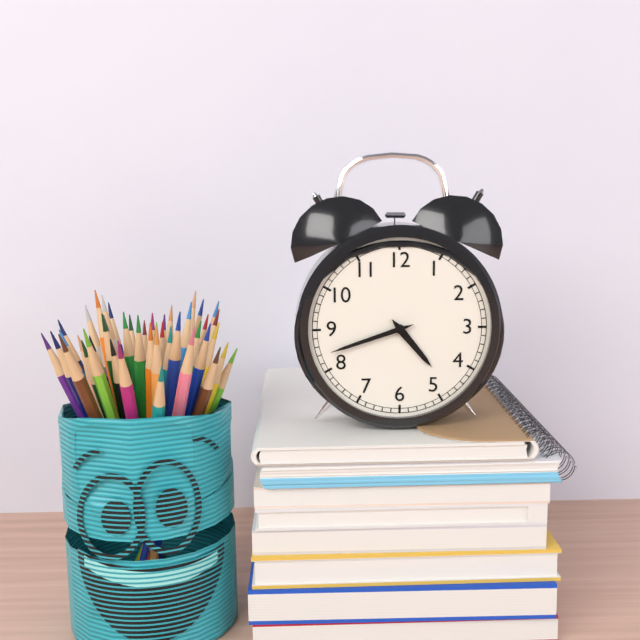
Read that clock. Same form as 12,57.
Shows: 4,42
